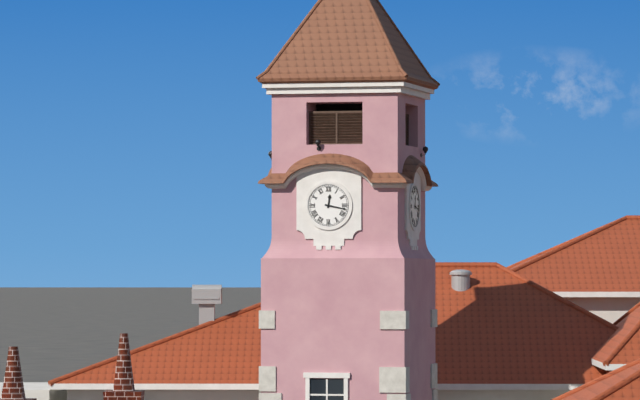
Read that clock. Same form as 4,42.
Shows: 12,17
